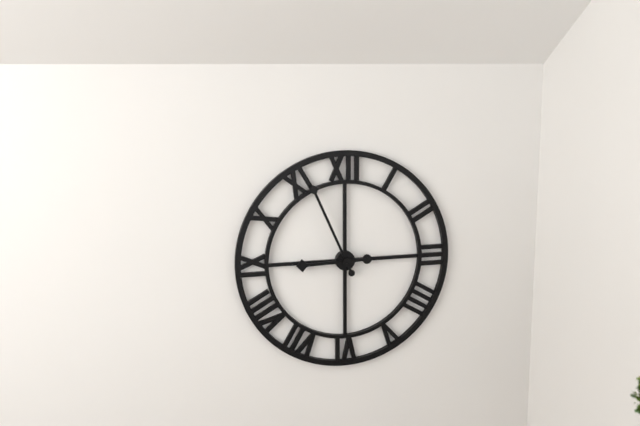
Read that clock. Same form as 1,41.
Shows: 8,56
